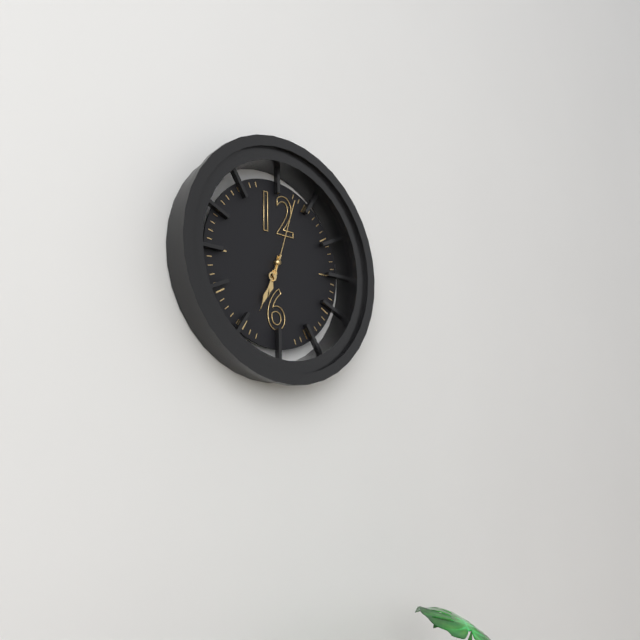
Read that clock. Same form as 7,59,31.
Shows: 6,34,03
